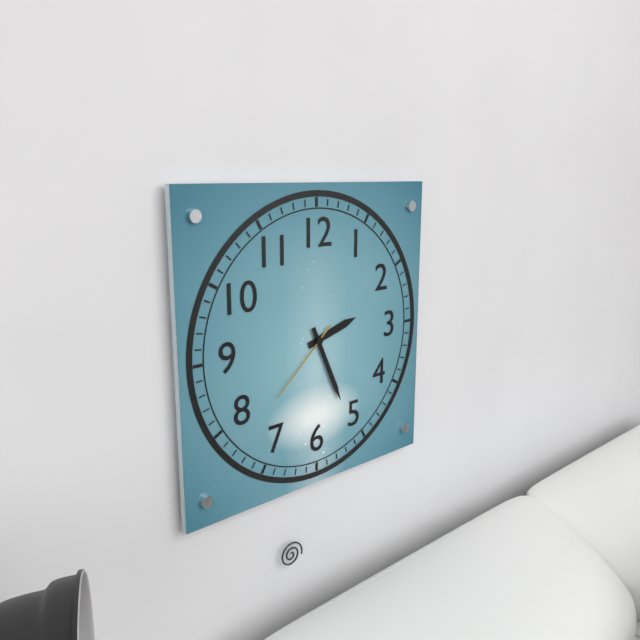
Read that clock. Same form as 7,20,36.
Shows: 2,26,38
